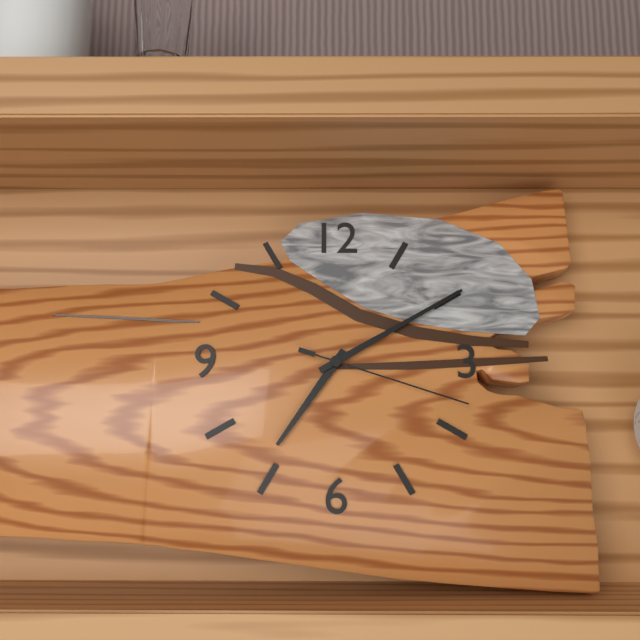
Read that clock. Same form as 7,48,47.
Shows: 7,10,18
